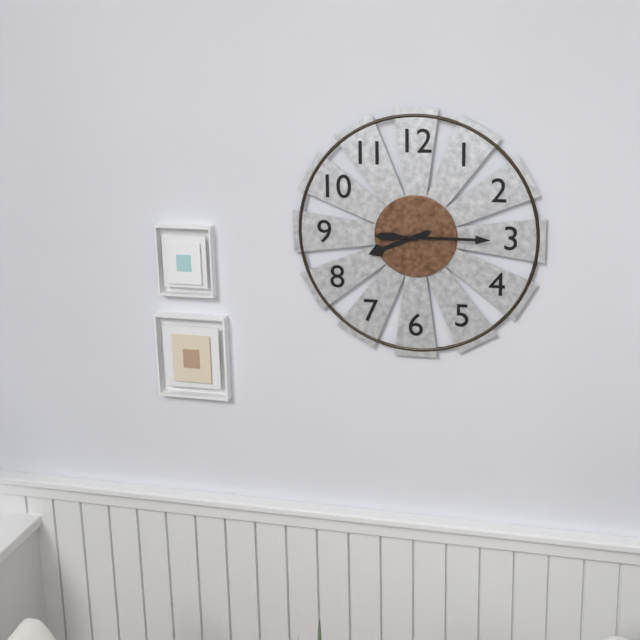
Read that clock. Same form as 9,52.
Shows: 8,15
